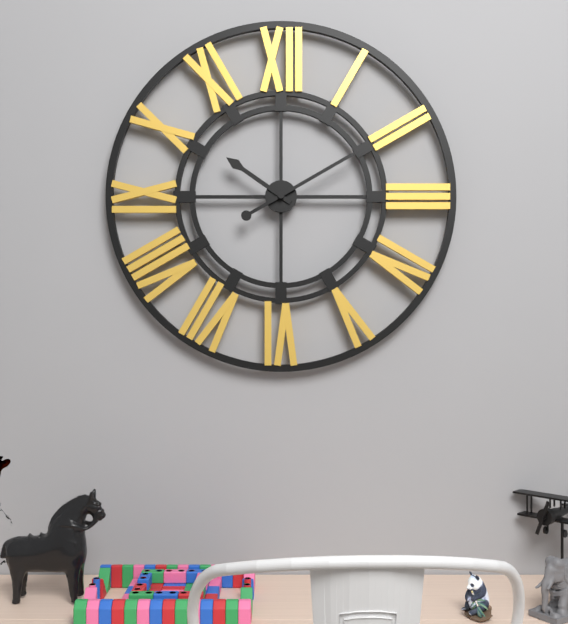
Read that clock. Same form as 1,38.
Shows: 10,10
